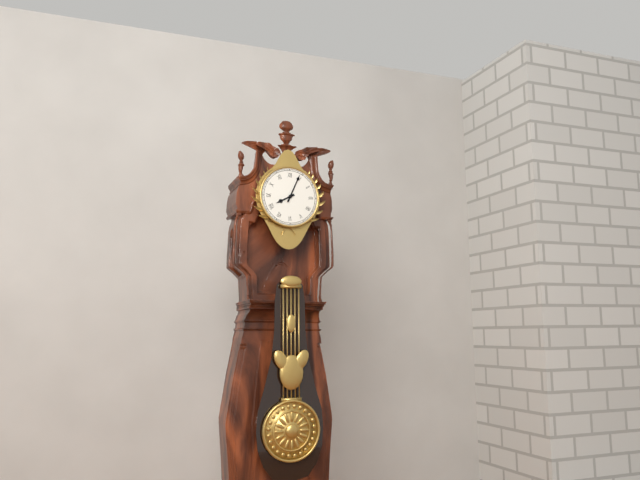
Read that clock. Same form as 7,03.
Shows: 8,04
